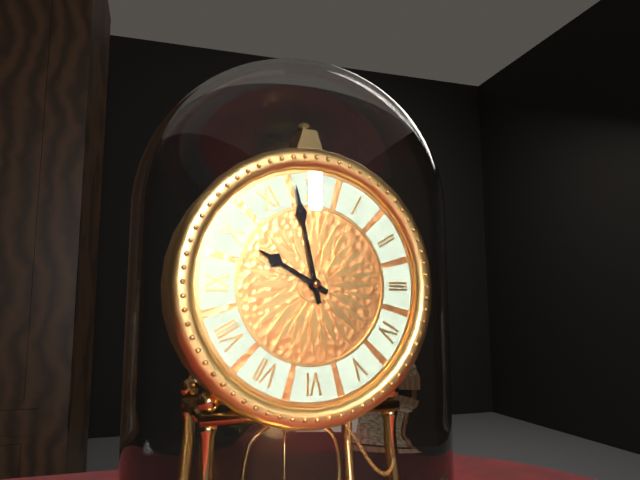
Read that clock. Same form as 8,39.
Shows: 9,58
